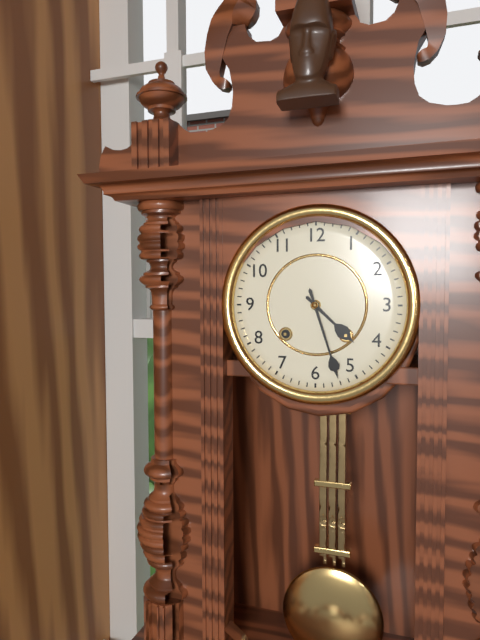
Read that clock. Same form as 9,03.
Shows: 4,27
